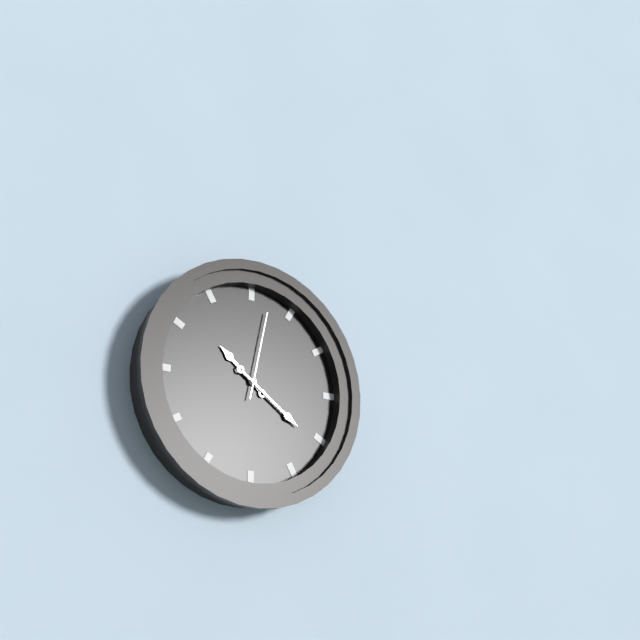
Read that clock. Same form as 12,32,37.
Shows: 10,21,02
